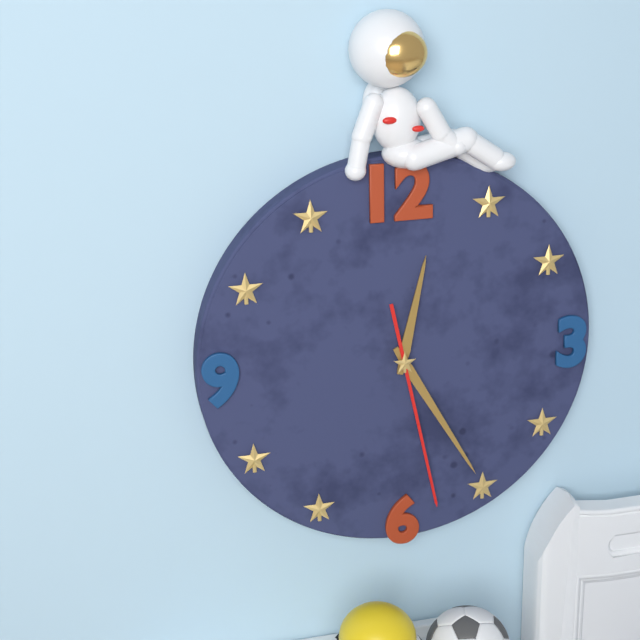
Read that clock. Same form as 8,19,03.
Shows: 12,25,28
